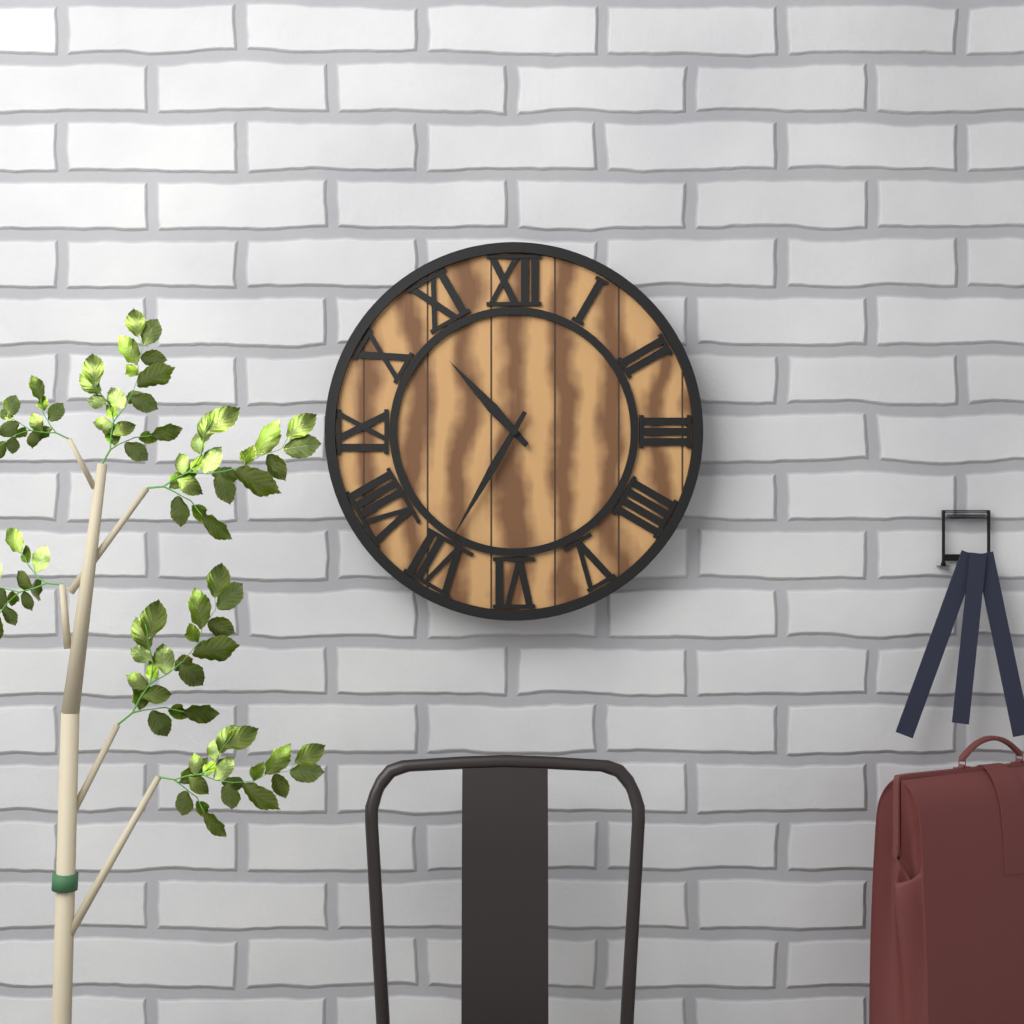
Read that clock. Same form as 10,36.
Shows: 10,35
